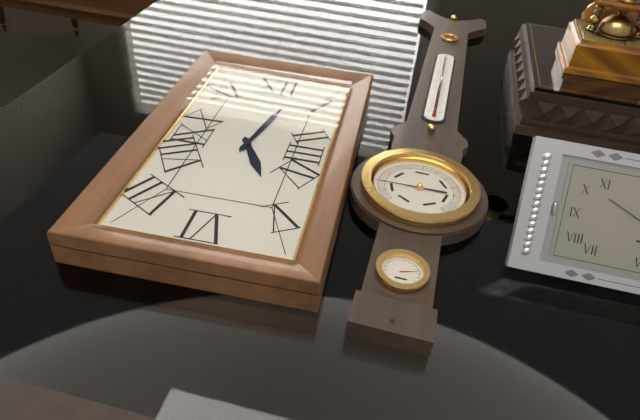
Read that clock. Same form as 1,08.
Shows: 5,02
